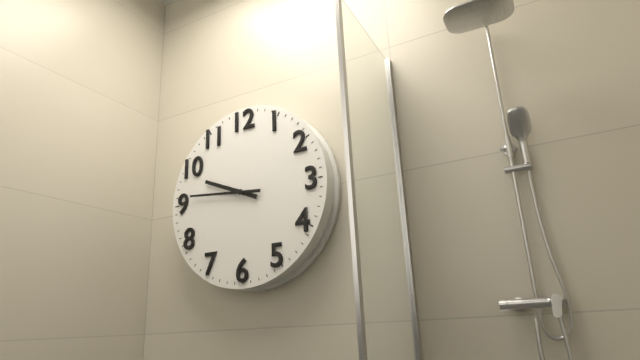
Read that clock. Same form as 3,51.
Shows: 9,46
